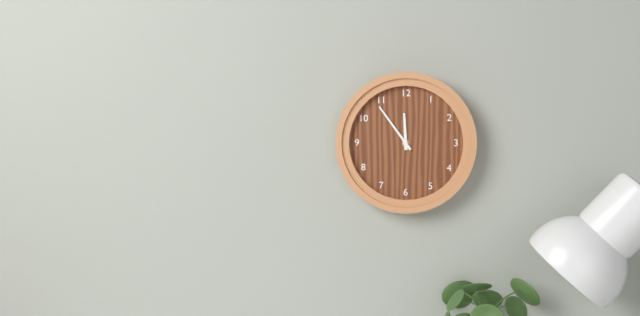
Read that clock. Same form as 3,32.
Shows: 11,54
